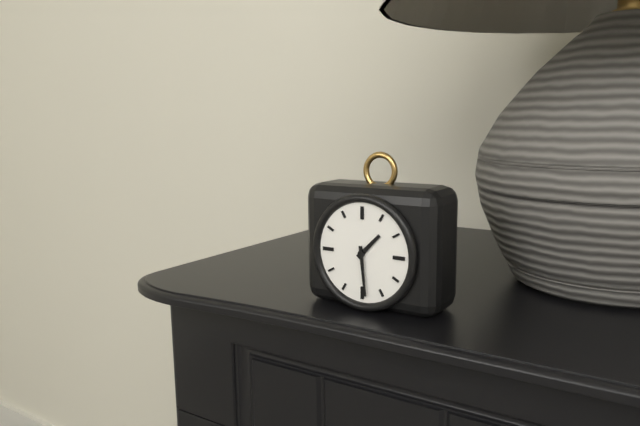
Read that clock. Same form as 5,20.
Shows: 1,29
